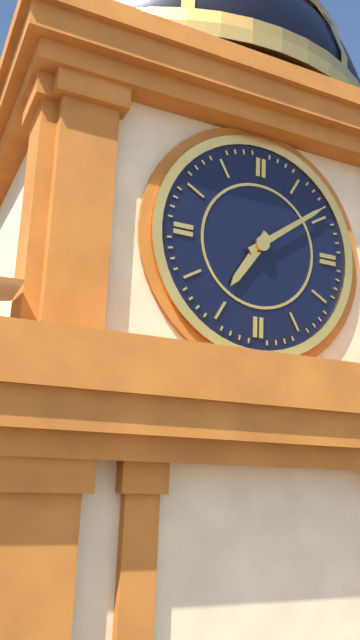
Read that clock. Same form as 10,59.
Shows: 7,09
